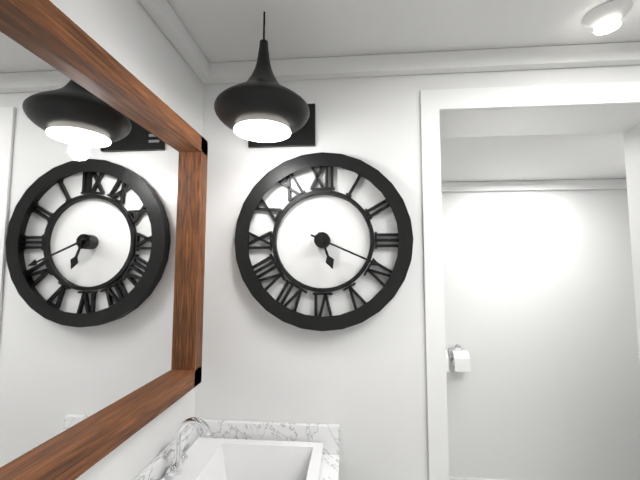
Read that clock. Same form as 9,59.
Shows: 5,19
